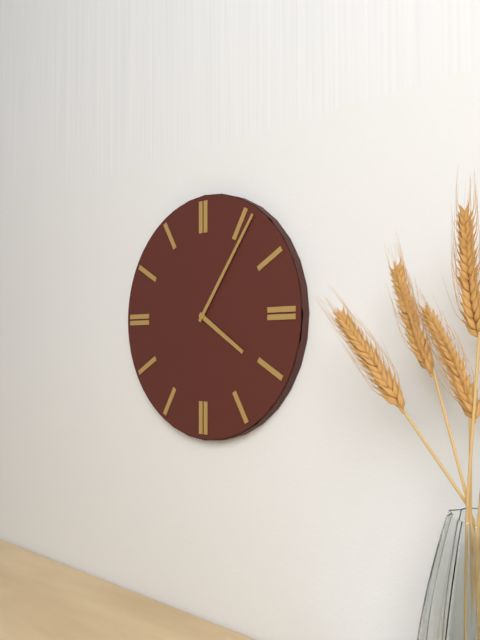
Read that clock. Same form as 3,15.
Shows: 4,06
